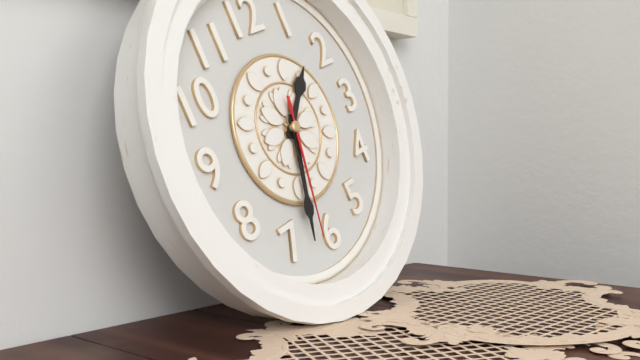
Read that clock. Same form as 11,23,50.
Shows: 1,33,32
